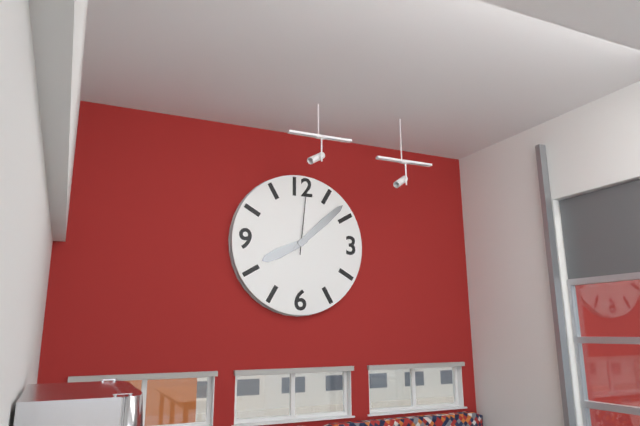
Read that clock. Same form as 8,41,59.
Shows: 8,08,01
